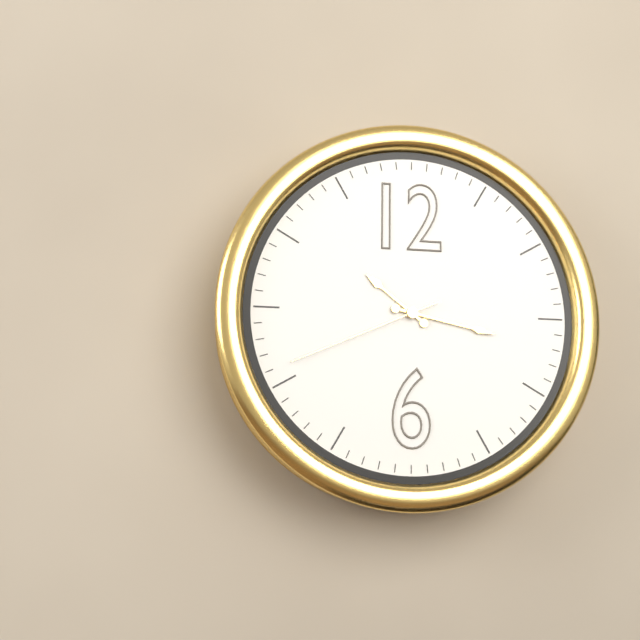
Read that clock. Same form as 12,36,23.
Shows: 10,17,41
